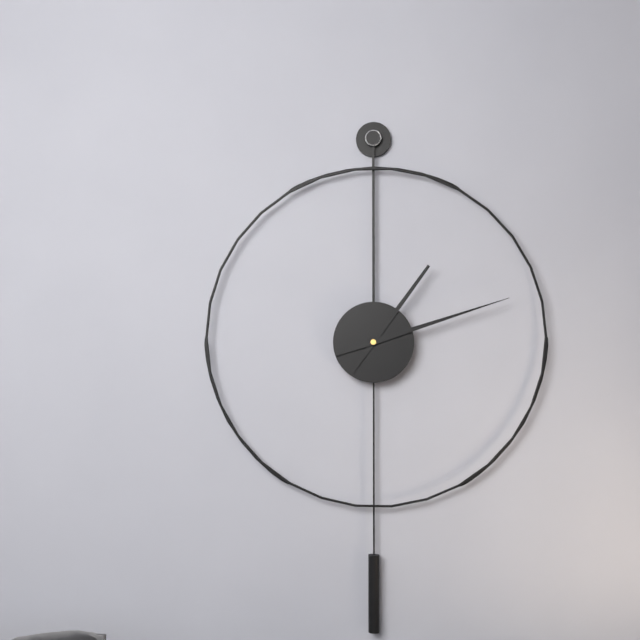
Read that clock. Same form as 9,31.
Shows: 1,12
